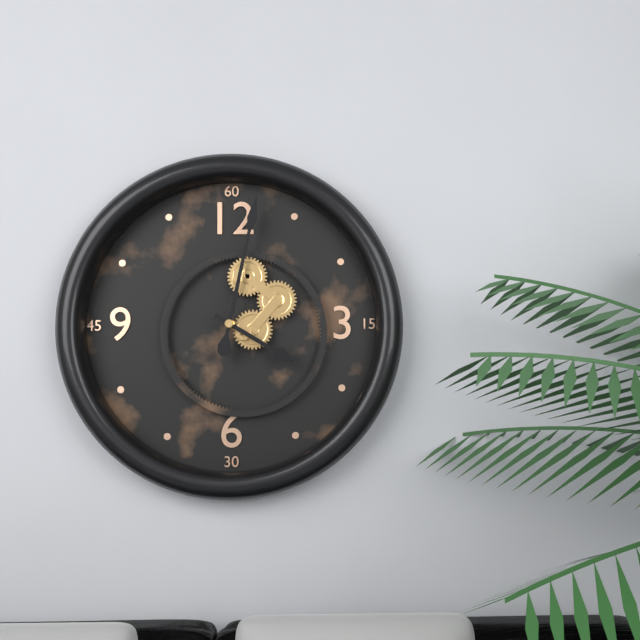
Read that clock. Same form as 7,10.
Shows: 4,02
